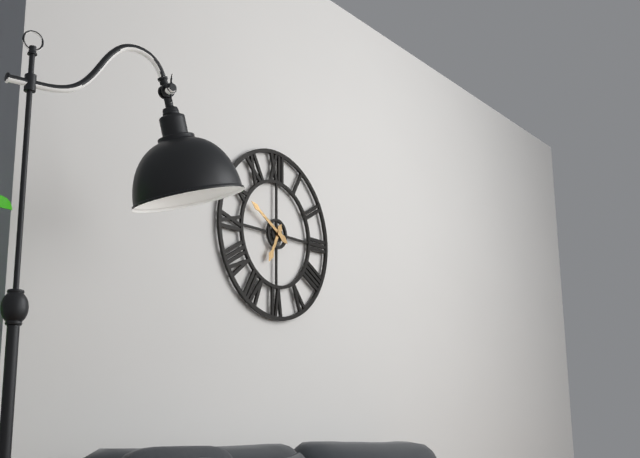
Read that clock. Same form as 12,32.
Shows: 6,50
